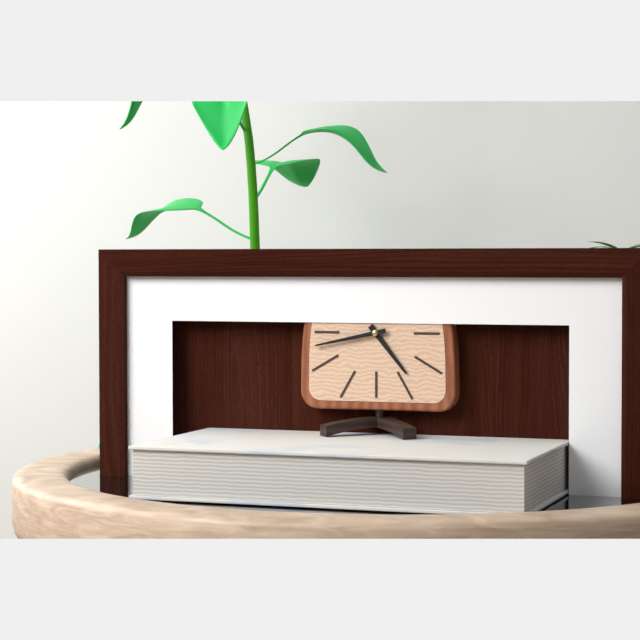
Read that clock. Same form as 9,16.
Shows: 4,43
